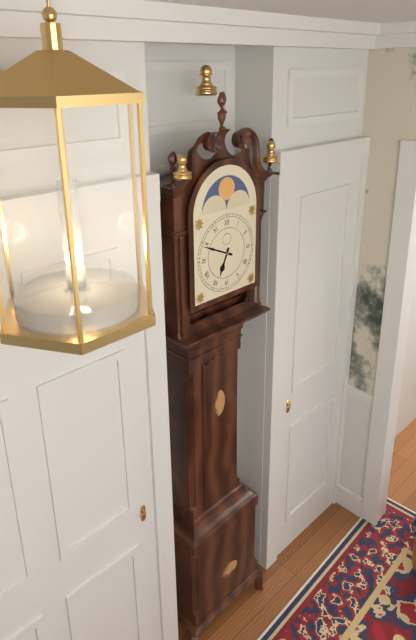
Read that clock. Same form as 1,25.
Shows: 6,49
